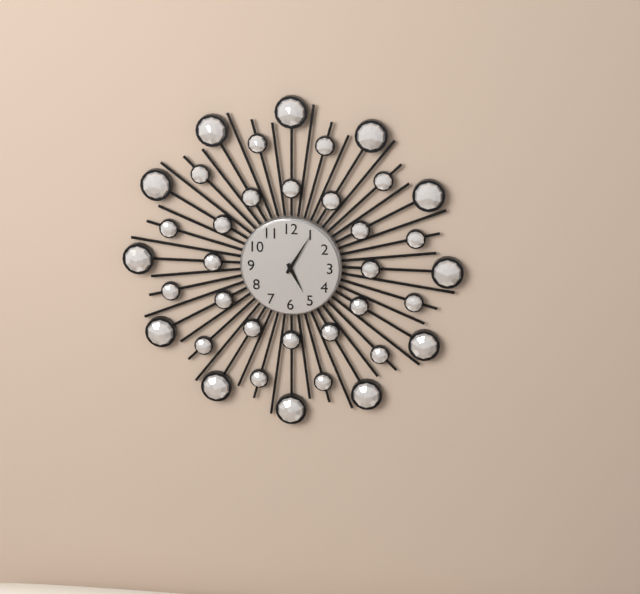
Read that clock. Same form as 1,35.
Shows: 5,05
